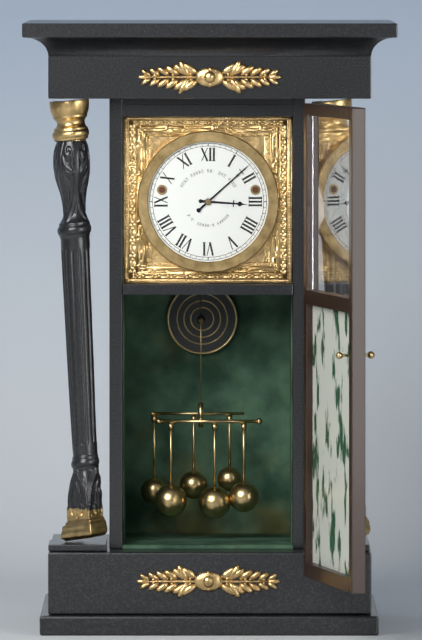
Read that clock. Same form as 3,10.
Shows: 3,08
